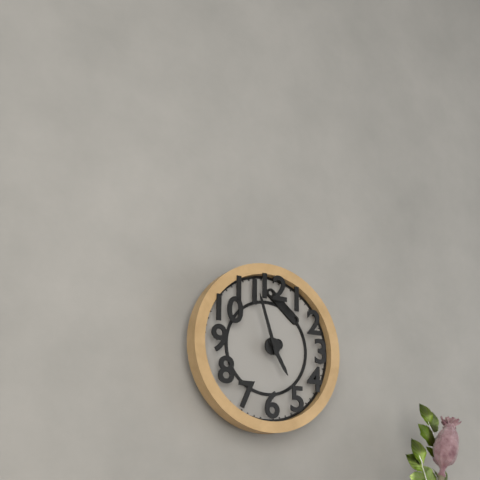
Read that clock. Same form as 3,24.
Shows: 4,57
